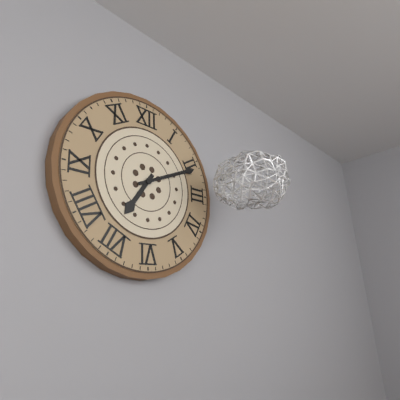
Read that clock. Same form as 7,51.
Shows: 7,11
